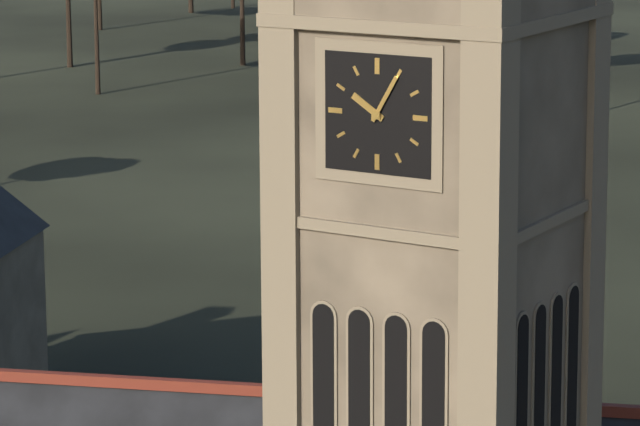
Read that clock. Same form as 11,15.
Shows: 10,05
